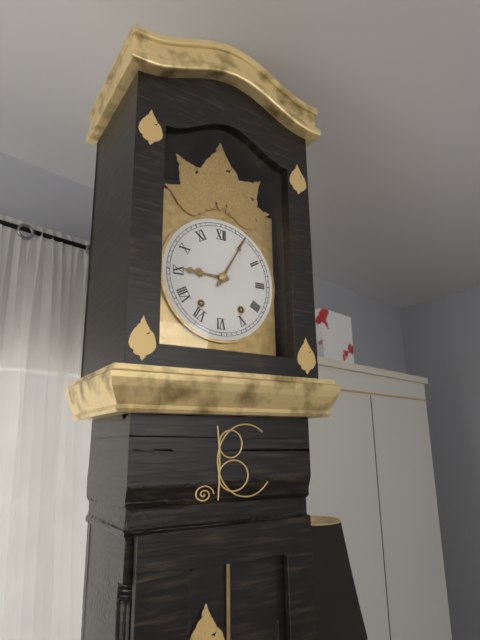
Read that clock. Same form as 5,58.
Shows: 9,05
